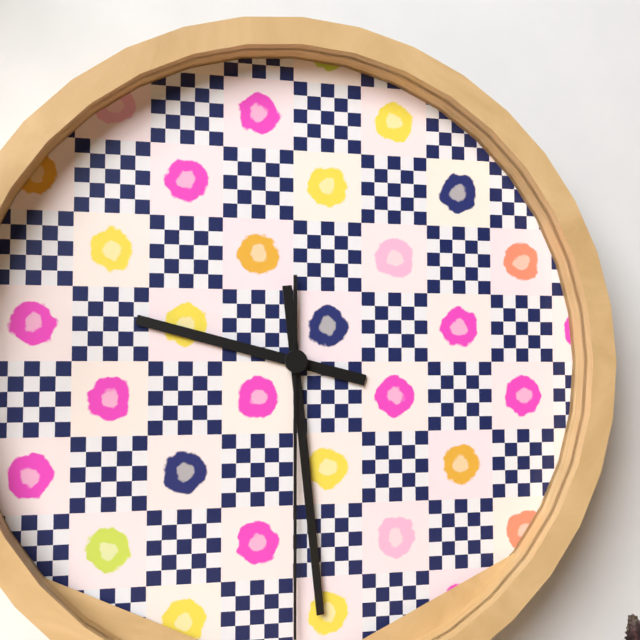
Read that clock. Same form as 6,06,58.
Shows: 9,29,30
